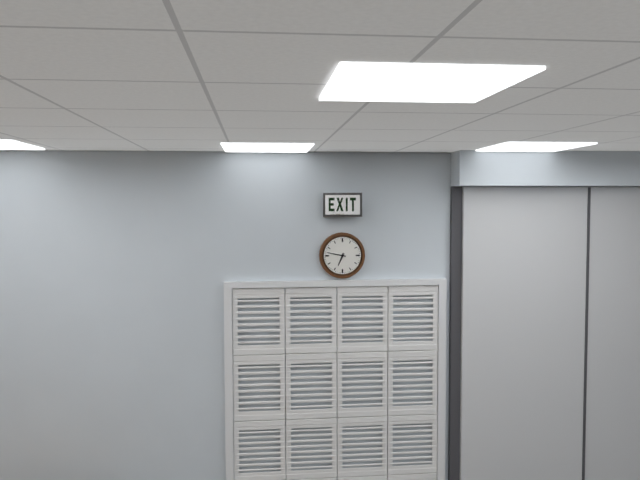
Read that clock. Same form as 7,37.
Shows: 6,47
